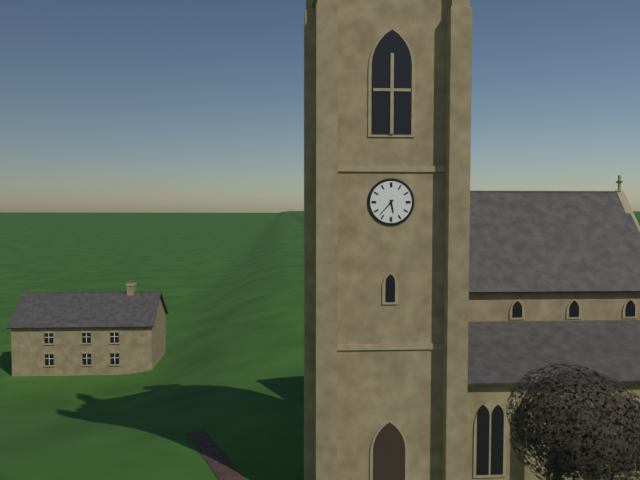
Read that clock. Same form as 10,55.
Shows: 5,37
